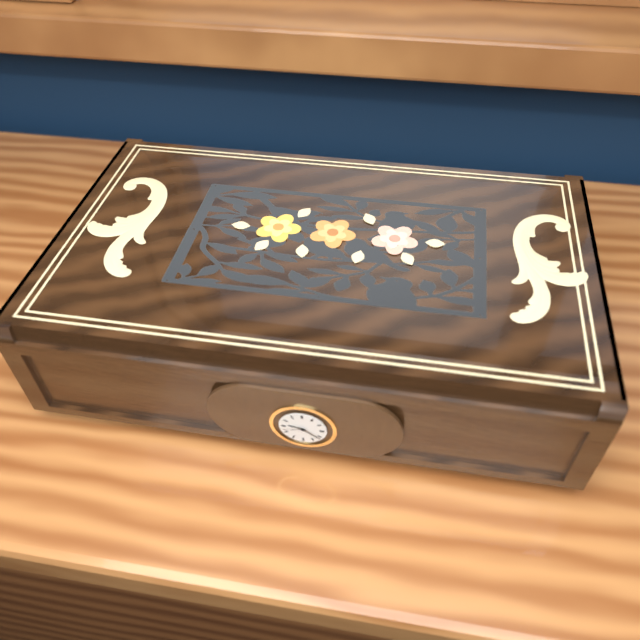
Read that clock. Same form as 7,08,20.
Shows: 9,21,43
